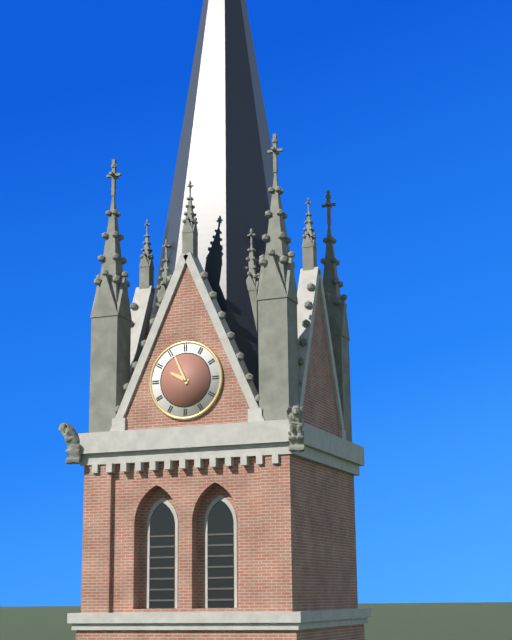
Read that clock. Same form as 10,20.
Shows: 9,56
